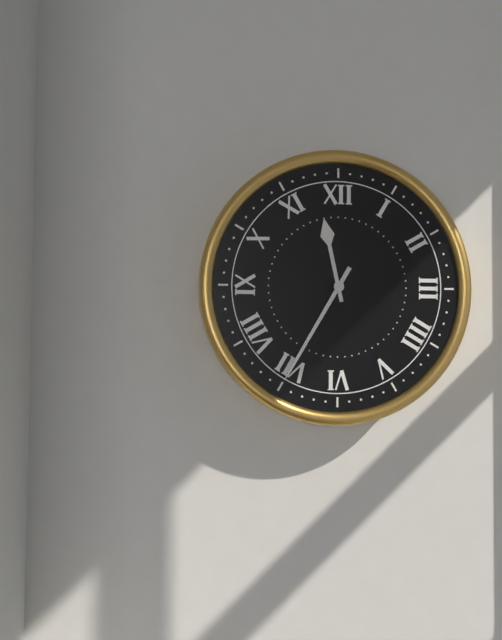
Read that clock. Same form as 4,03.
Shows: 11,35
